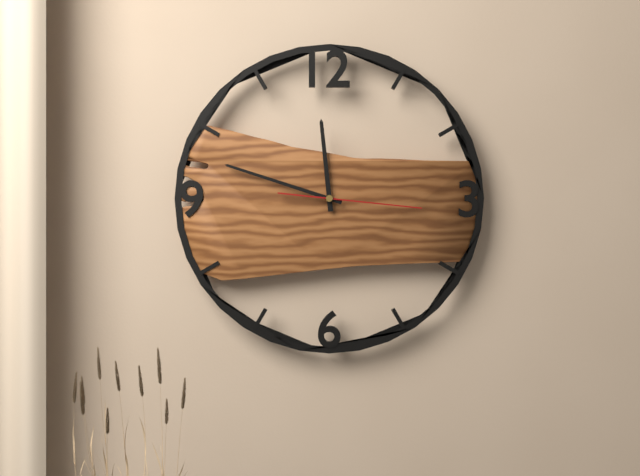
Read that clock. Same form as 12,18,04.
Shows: 11,48,16
